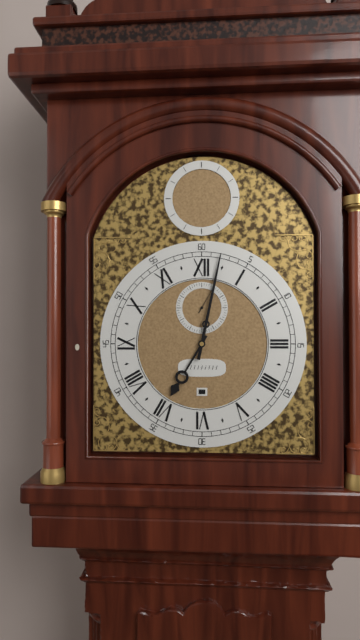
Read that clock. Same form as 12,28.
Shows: 7,02
